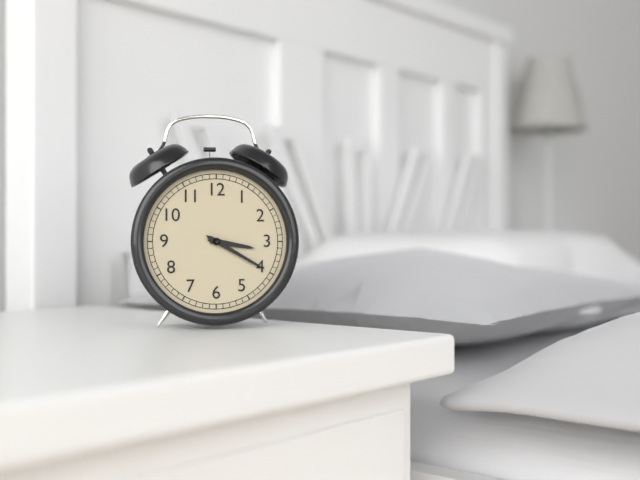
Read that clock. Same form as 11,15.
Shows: 3,20
